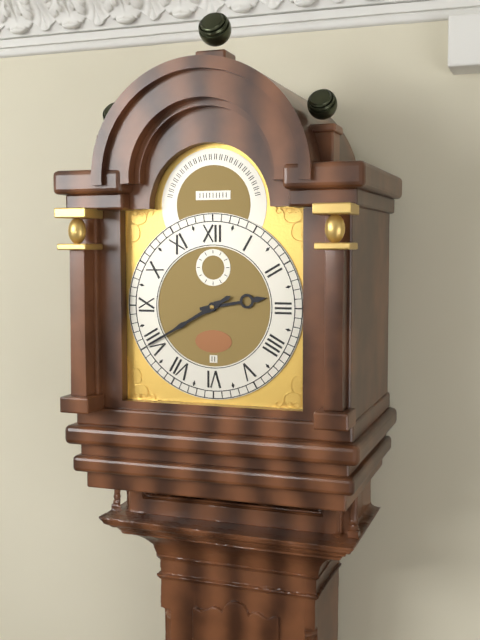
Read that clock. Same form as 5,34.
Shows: 2,40
